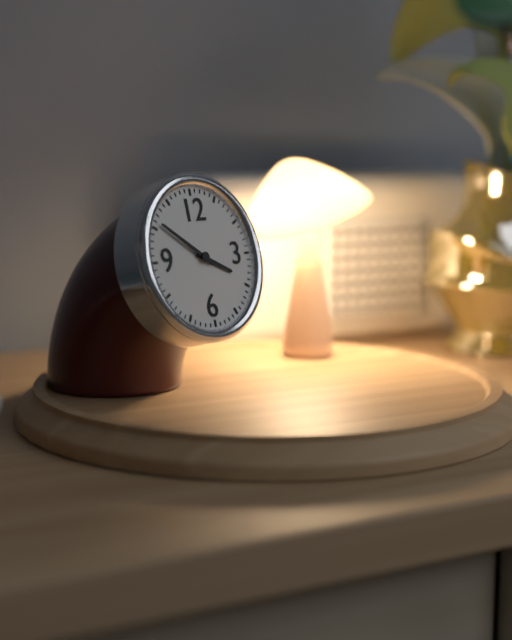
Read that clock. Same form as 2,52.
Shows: 3,51
